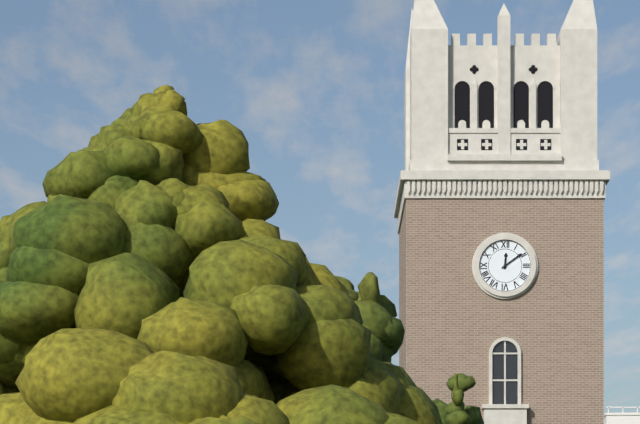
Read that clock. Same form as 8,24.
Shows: 12,09
